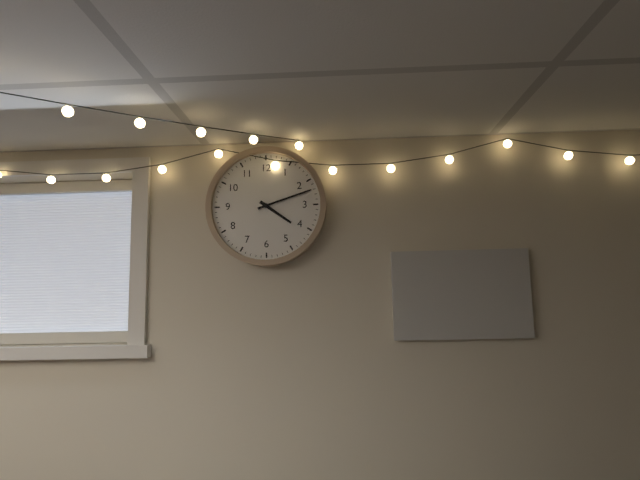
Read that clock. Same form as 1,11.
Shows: 4,12
